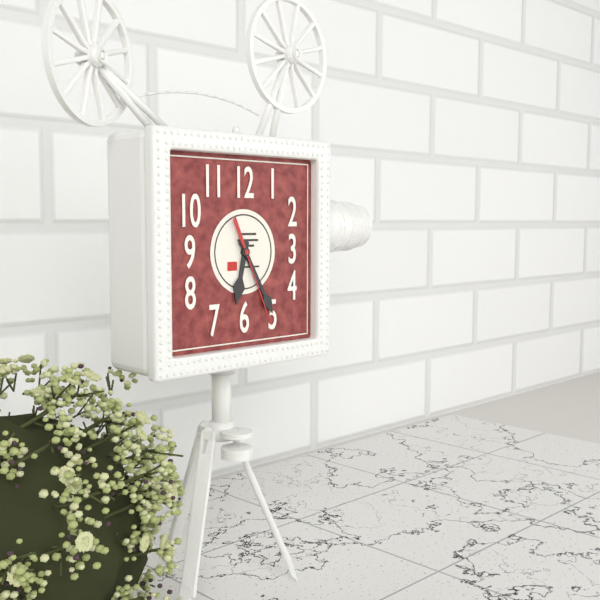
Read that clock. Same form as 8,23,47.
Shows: 6,25,26
